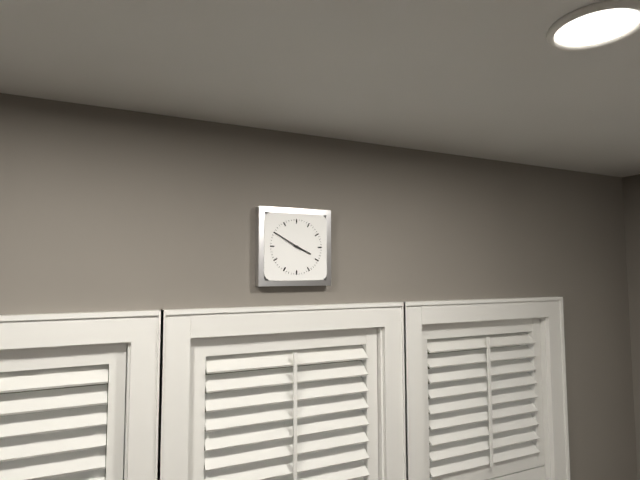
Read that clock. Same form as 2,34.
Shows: 3,50
